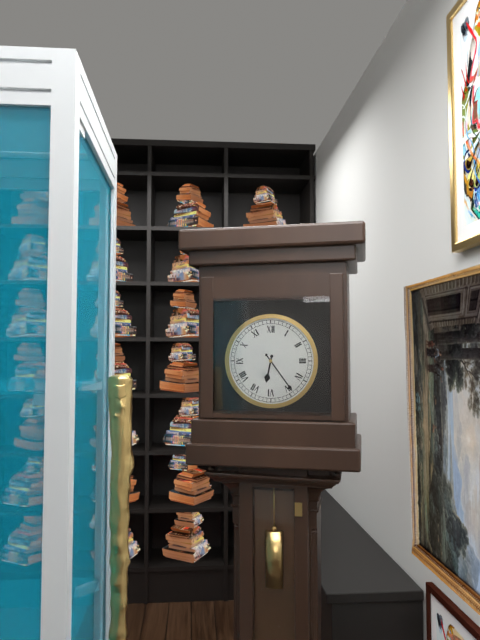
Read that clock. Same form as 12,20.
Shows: 6,24
